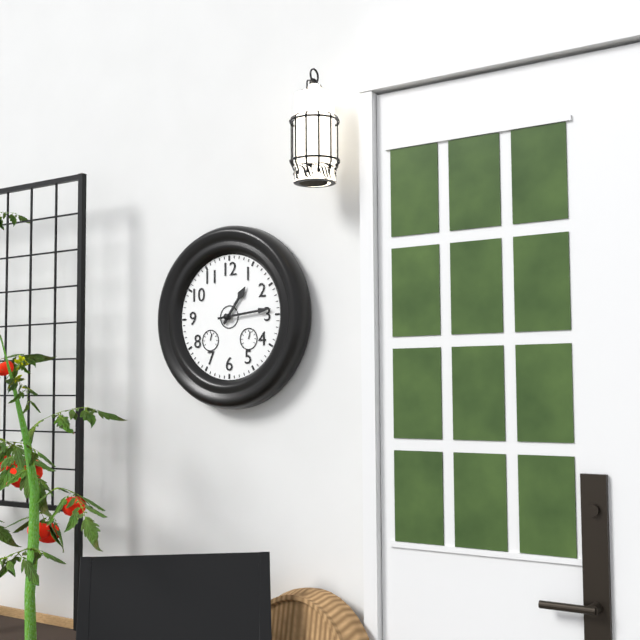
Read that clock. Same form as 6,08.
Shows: 1,14
